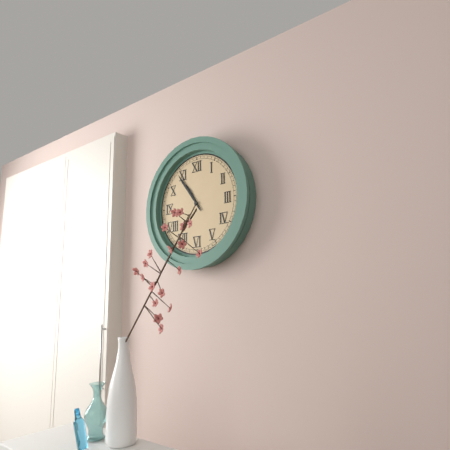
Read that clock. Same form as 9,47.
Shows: 10,54
